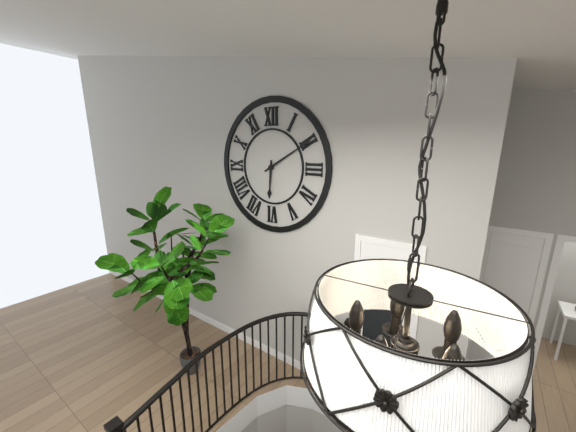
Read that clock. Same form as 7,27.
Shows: 6,10
